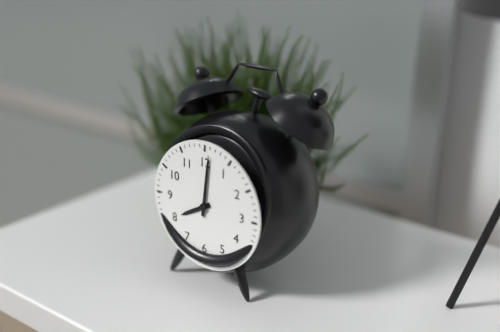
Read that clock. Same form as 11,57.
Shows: 8,01
